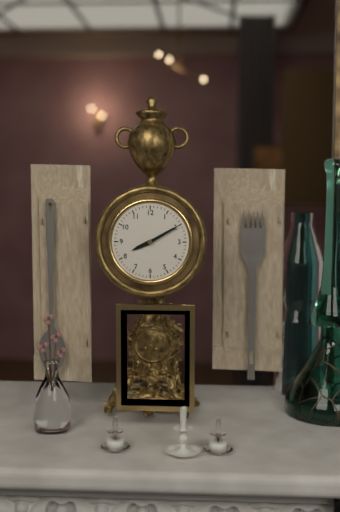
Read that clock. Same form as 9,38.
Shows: 8,10
